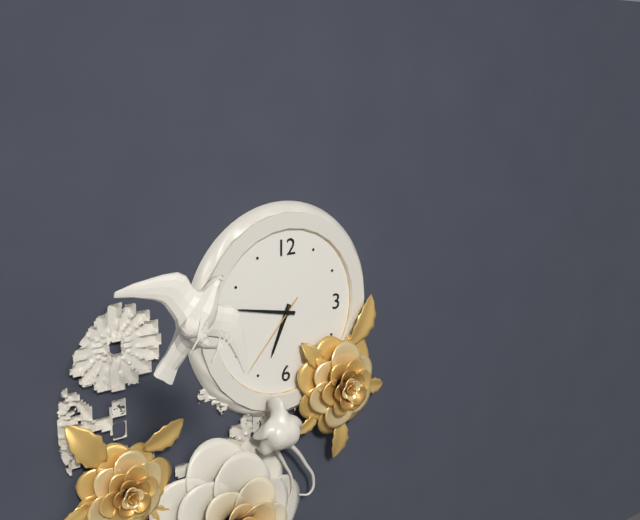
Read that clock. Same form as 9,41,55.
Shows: 6,47,37
